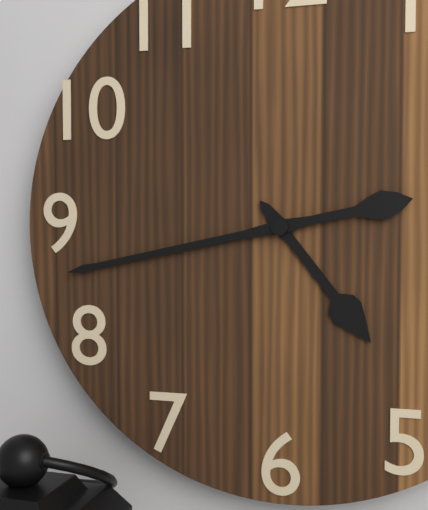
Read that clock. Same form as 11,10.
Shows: 4,43
